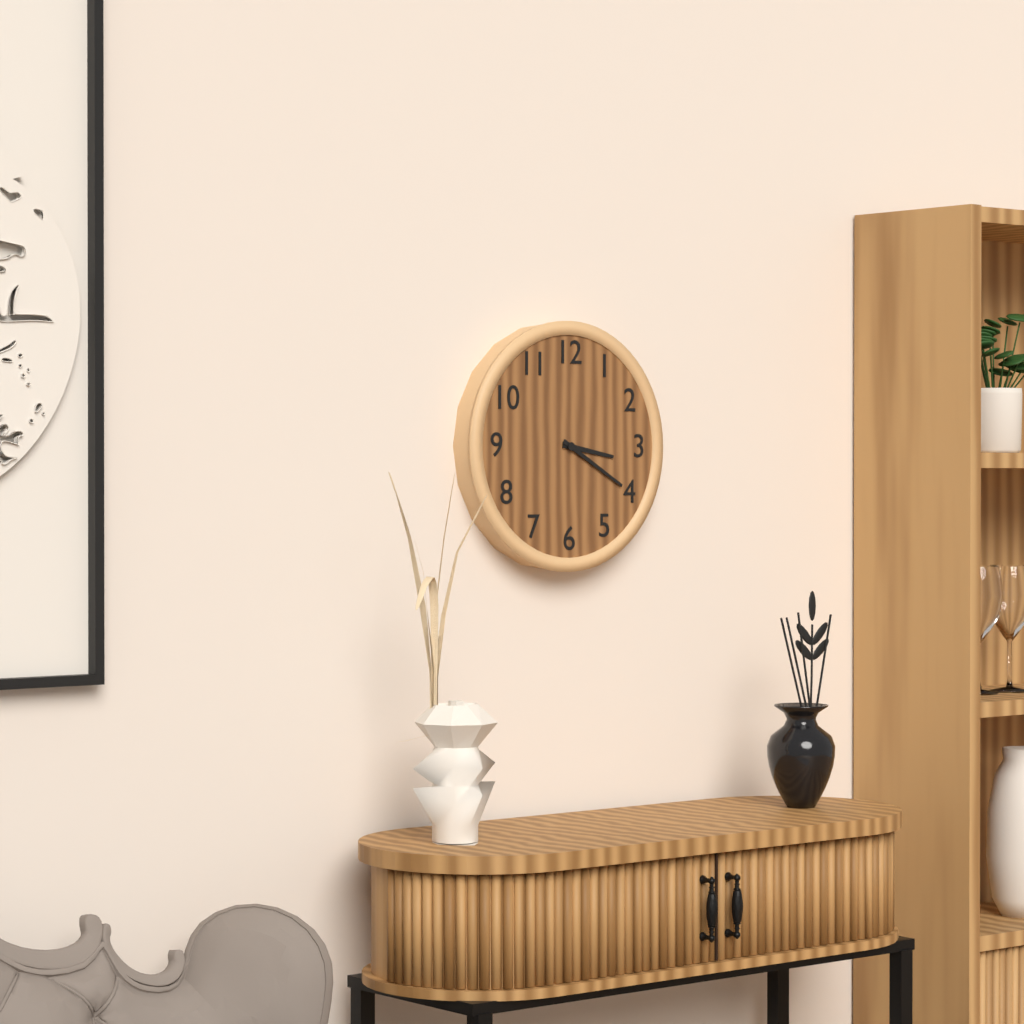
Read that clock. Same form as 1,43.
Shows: 3,20
